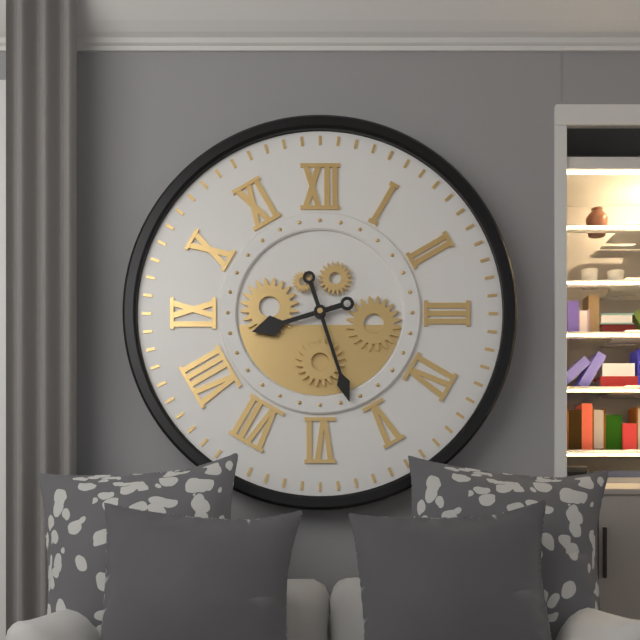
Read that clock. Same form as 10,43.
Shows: 8,27
